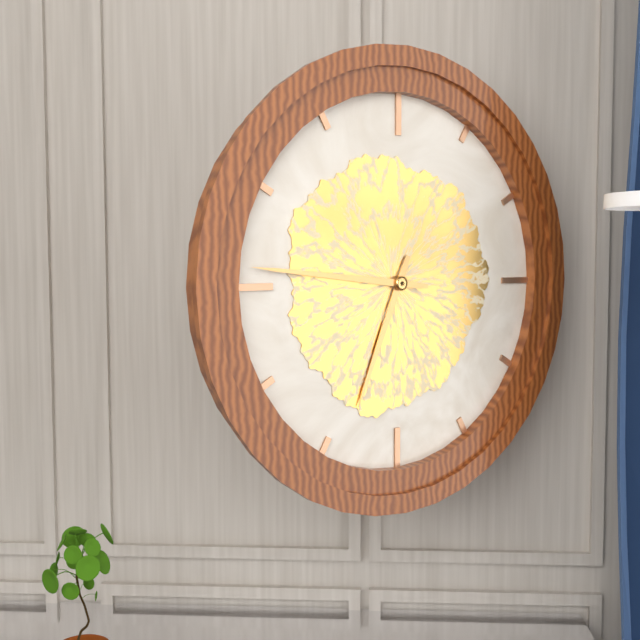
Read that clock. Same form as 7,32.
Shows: 6,46
